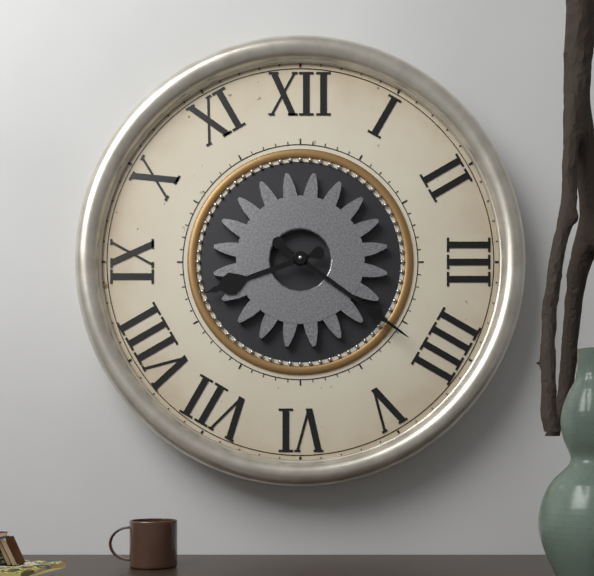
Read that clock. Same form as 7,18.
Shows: 8,21
